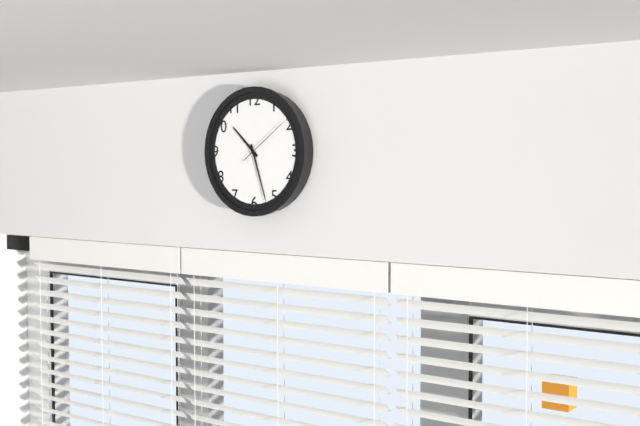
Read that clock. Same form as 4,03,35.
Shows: 10,27,09
